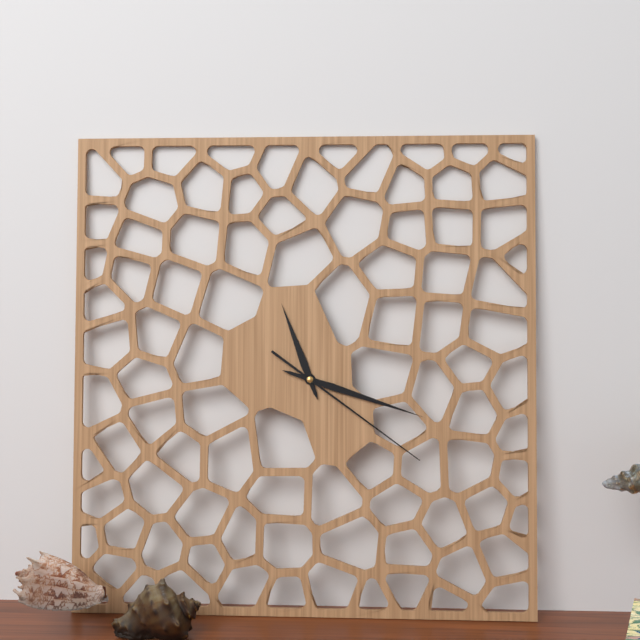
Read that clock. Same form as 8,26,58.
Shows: 11,18,21
